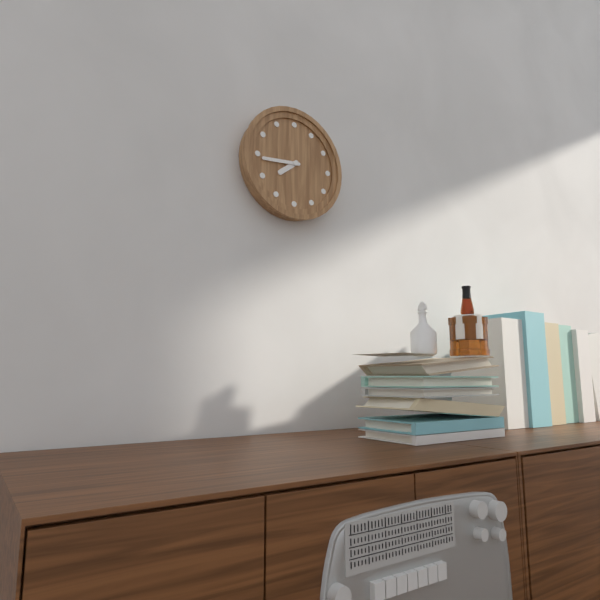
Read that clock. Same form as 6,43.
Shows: 7,44
